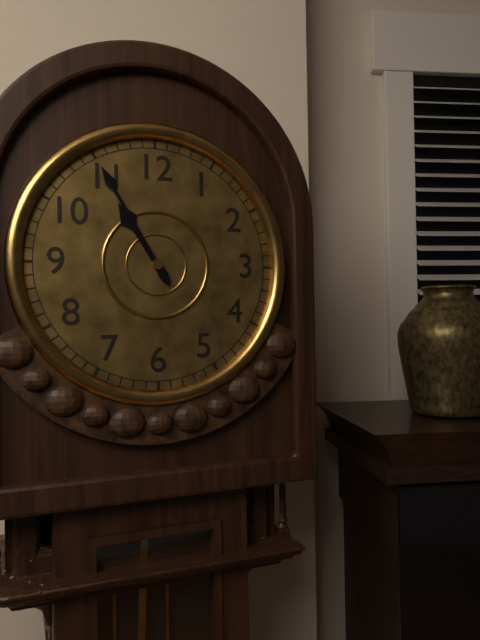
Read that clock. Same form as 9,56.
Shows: 10,55
